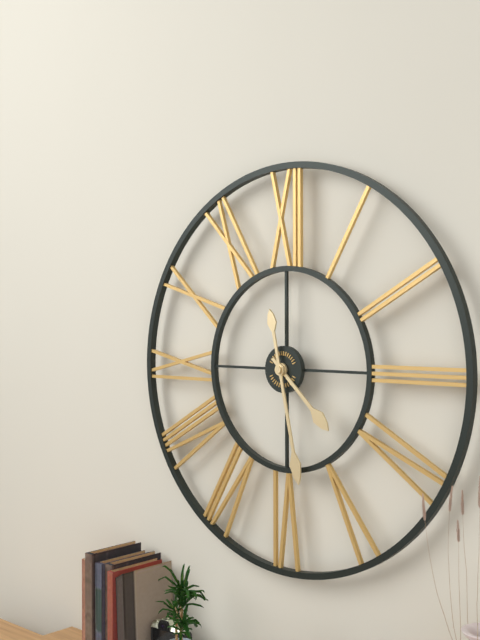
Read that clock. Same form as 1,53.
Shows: 4,28
